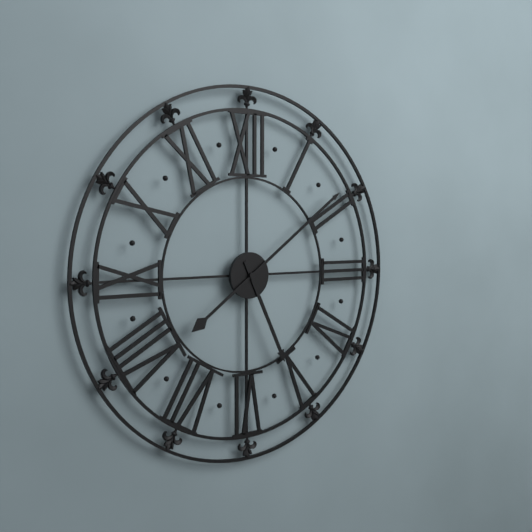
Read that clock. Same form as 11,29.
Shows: 5,09
